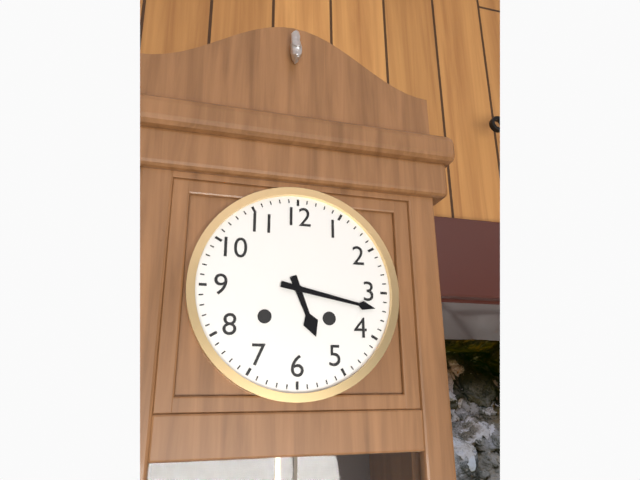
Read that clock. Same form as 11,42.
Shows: 5,17
